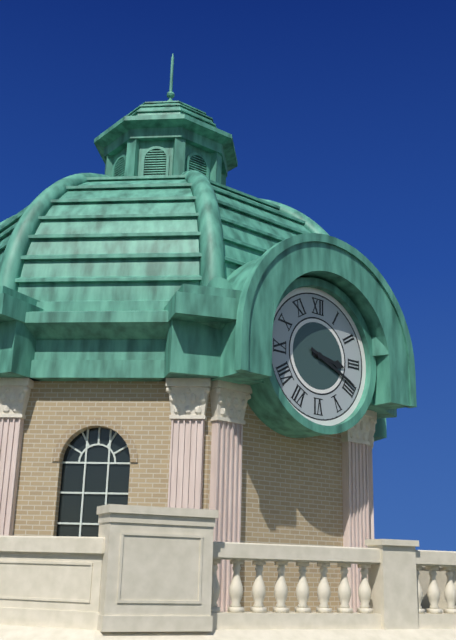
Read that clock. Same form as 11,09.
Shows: 3,19
